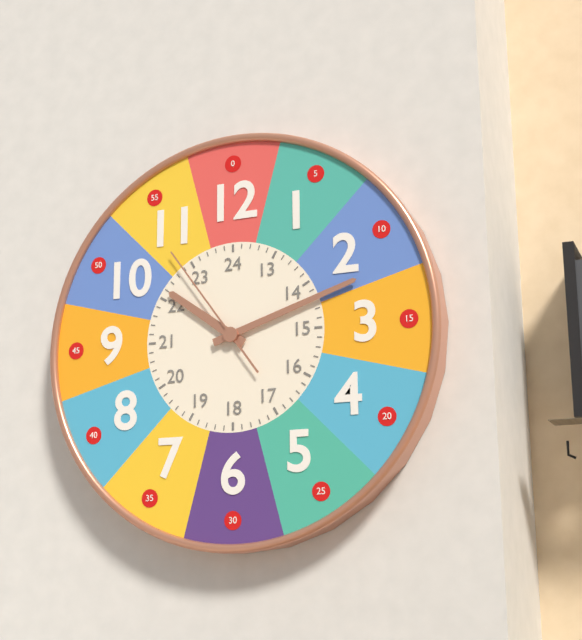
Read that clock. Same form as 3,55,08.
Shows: 10,12,54
